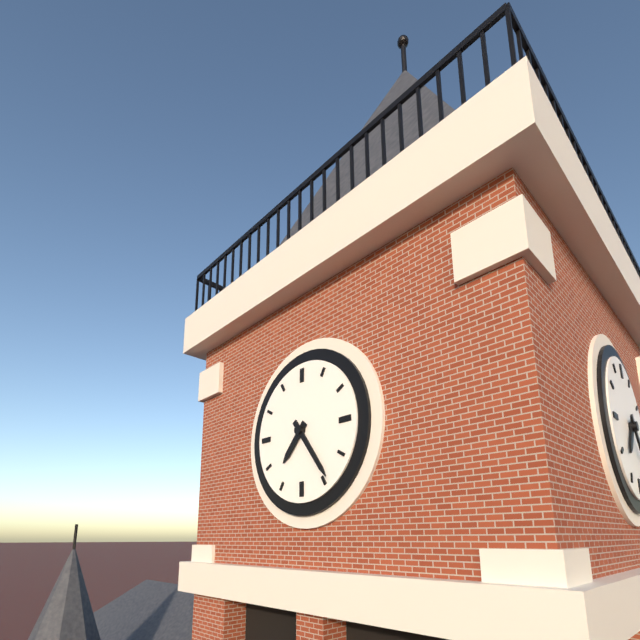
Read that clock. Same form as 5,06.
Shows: 7,24
